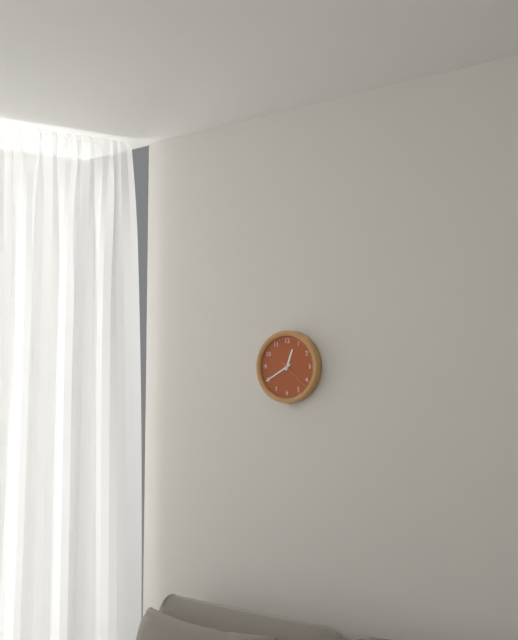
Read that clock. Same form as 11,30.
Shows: 12,40
